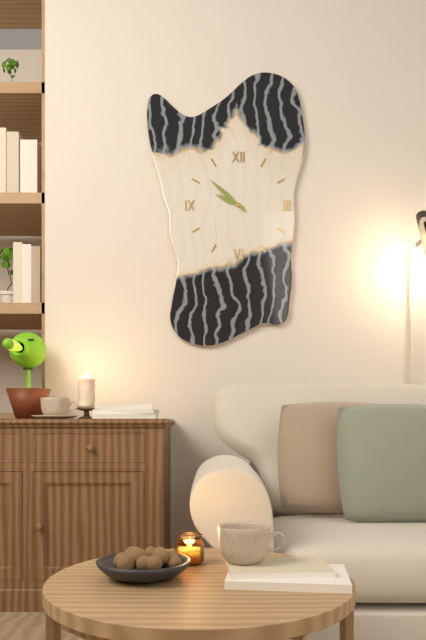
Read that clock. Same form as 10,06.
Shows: 9,52
